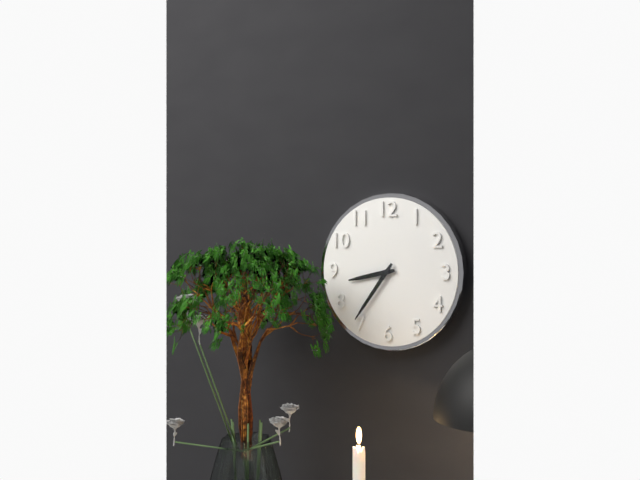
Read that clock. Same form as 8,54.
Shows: 8,36
